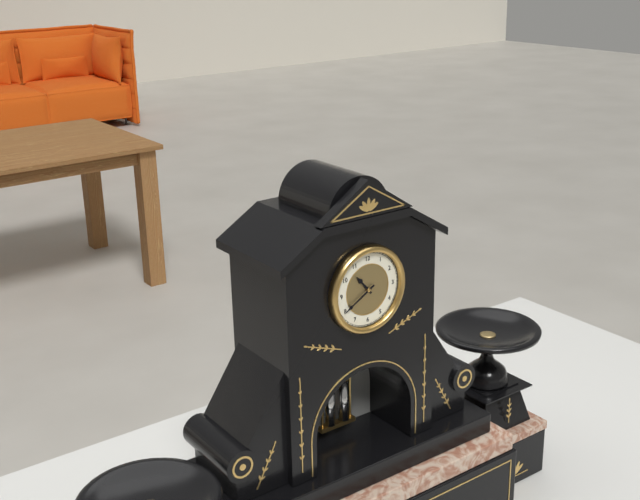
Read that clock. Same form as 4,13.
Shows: 10,40
